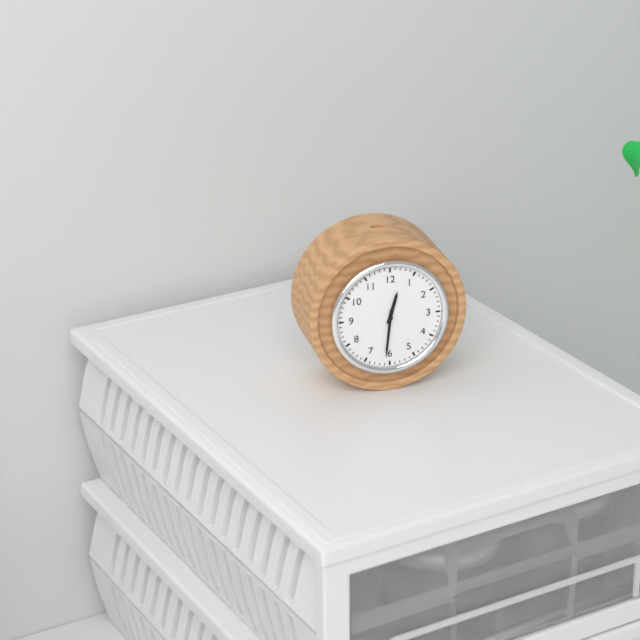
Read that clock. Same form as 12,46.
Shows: 12,31
